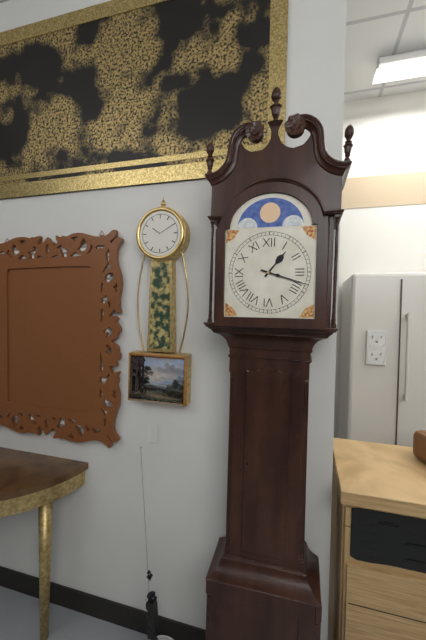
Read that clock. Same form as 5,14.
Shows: 1,18
